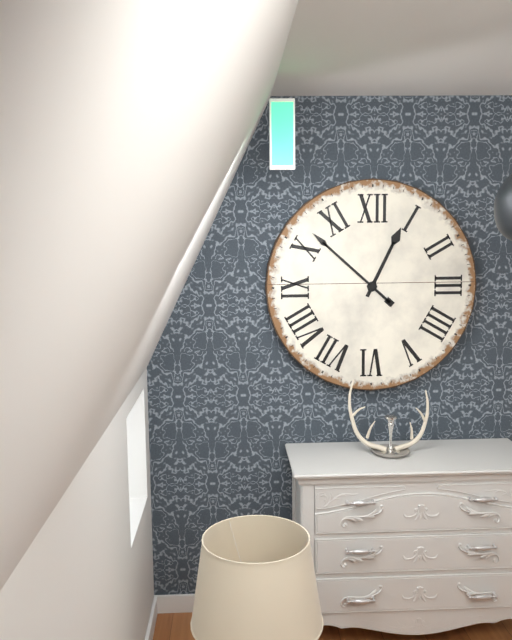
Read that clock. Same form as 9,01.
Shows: 12,52
